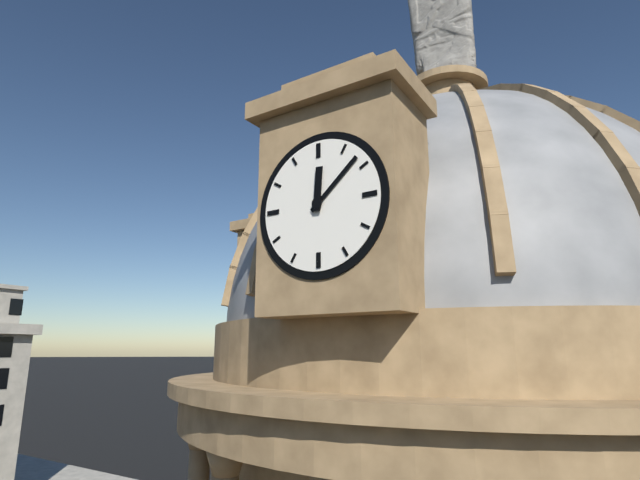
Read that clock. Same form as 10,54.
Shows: 12,08
